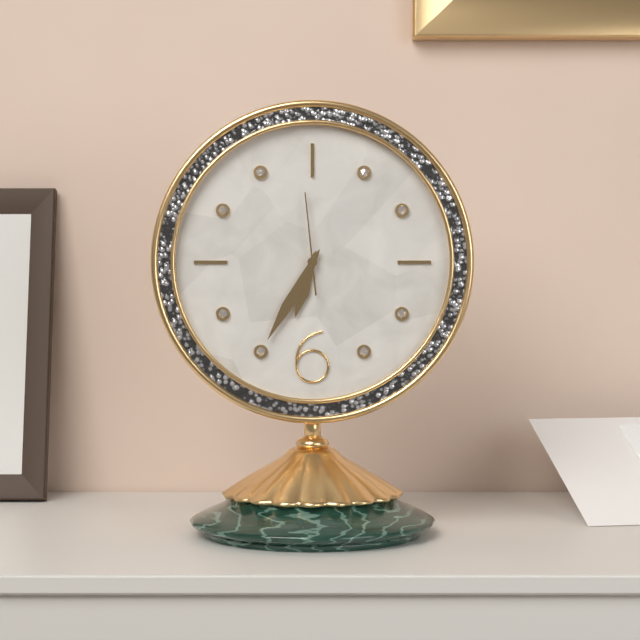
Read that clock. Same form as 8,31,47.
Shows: 6,35,59
